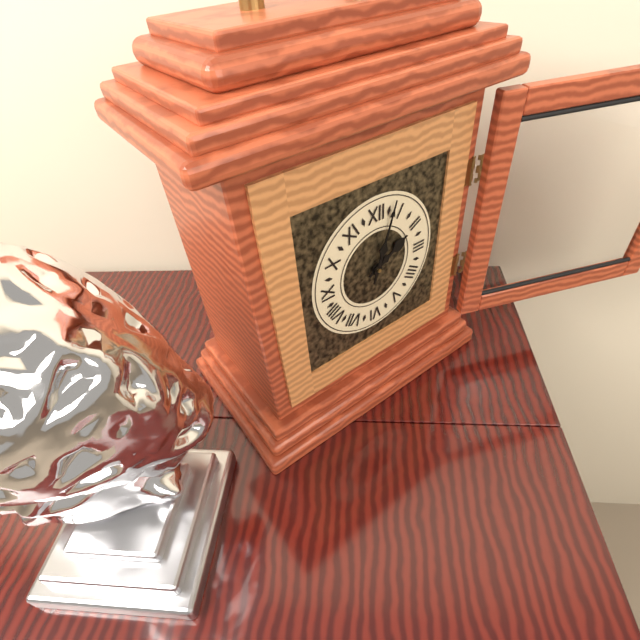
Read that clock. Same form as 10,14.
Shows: 2,03
